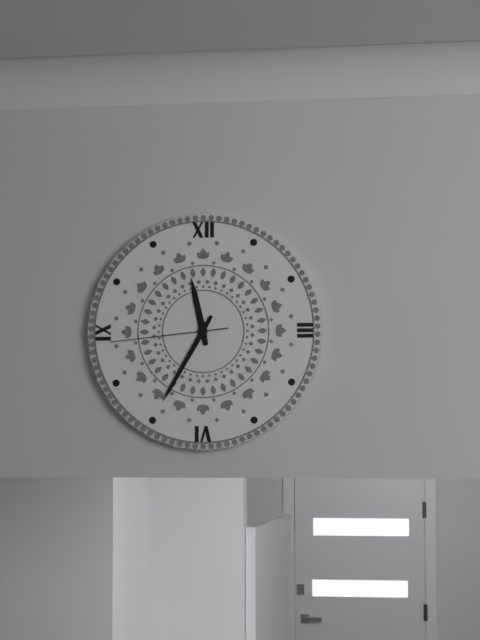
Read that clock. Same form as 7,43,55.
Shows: 11,35,44
